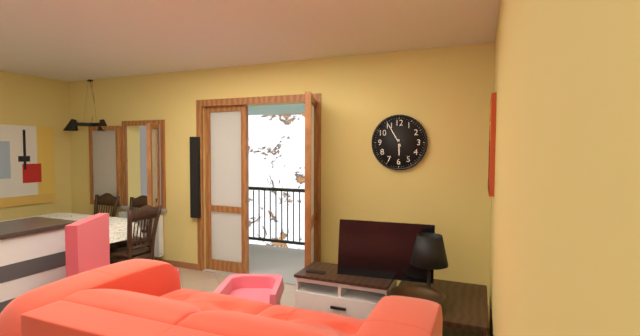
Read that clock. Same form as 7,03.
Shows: 5,55
